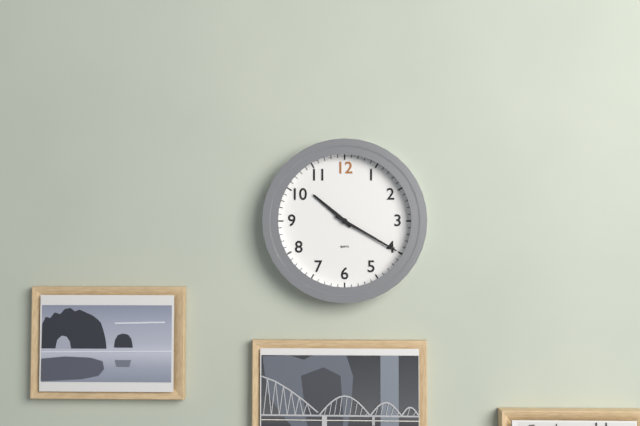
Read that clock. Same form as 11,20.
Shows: 10,20
